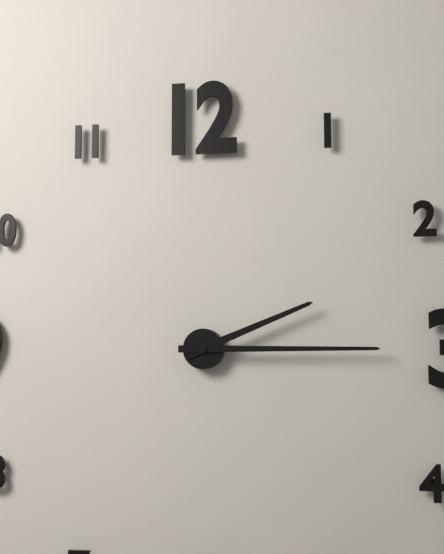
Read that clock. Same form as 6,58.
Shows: 2,15
